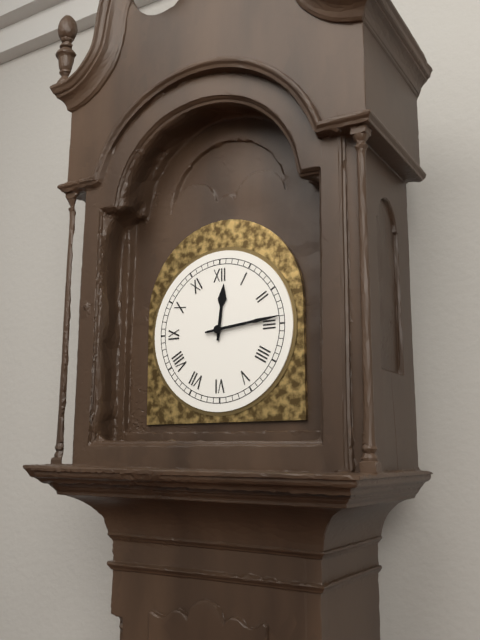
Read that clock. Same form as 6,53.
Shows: 12,14
